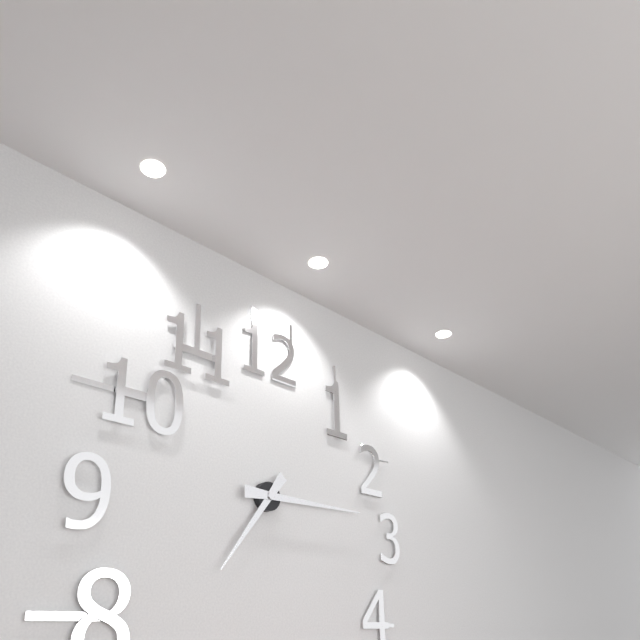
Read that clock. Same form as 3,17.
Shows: 7,15
